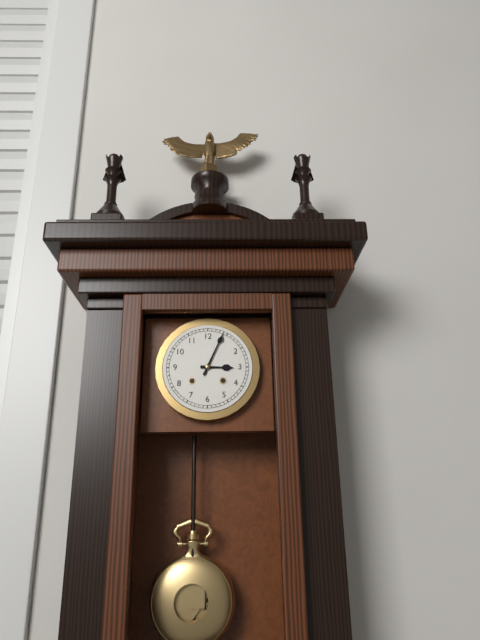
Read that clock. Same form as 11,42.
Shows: 3,04
